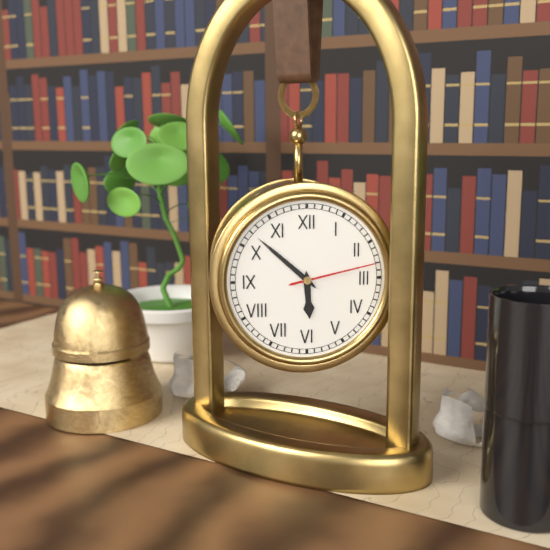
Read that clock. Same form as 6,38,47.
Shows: 5,52,13
